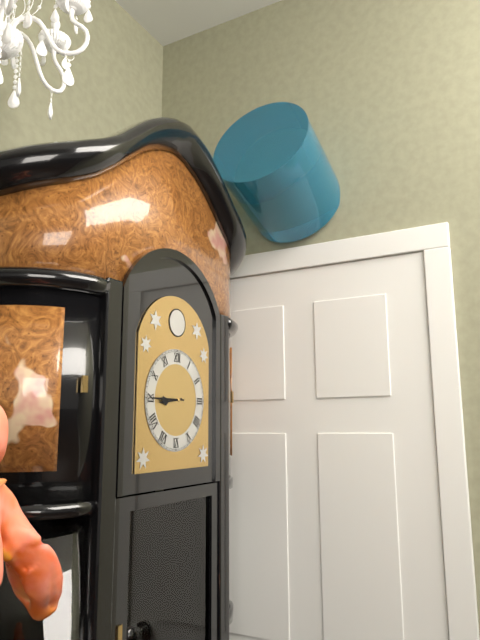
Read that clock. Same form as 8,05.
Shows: 8,45
